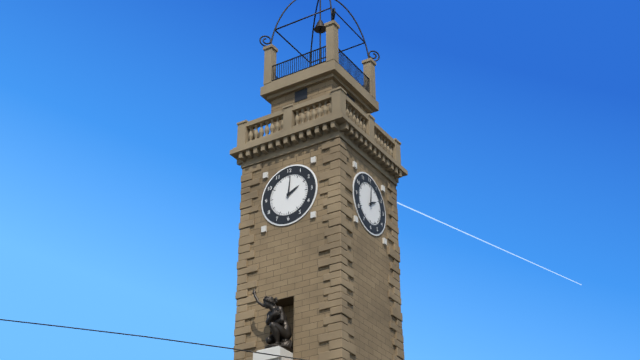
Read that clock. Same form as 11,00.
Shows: 2,01
